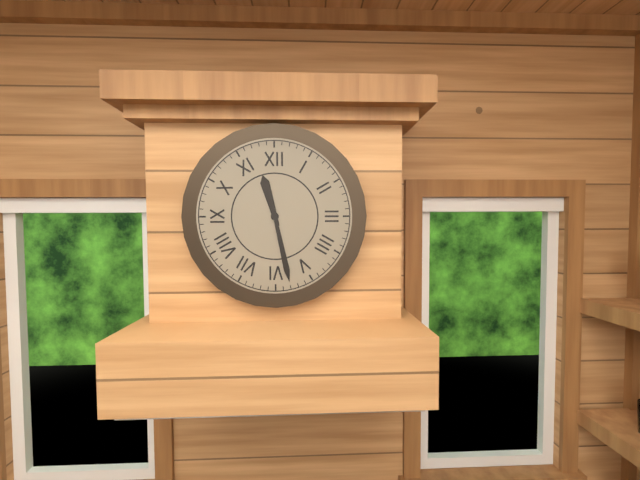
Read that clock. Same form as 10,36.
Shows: 11,28
